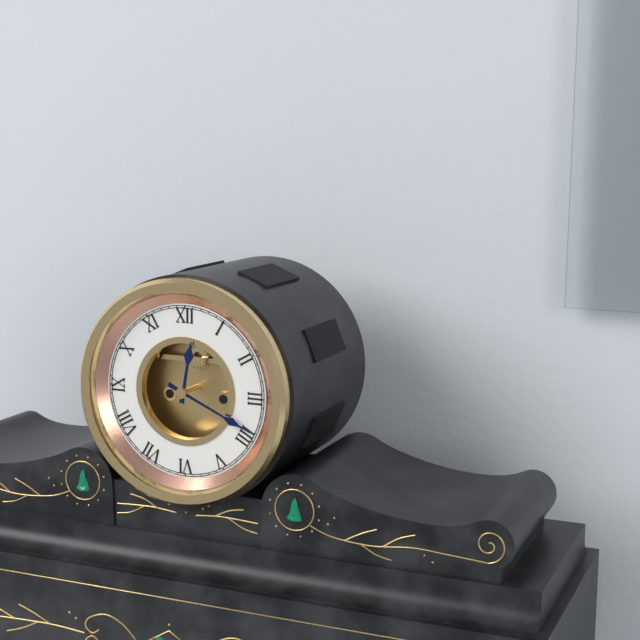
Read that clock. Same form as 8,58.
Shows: 12,19
